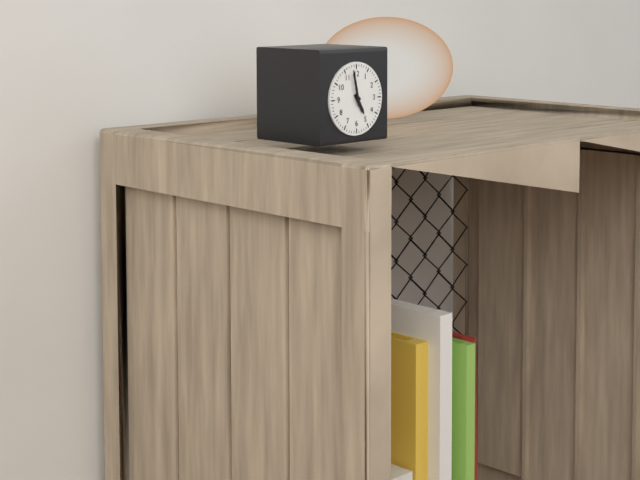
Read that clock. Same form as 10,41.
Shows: 4,58
